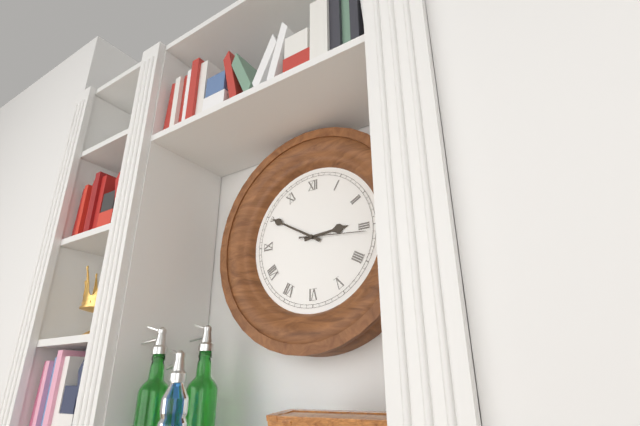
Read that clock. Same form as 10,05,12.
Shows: 2,50,16
